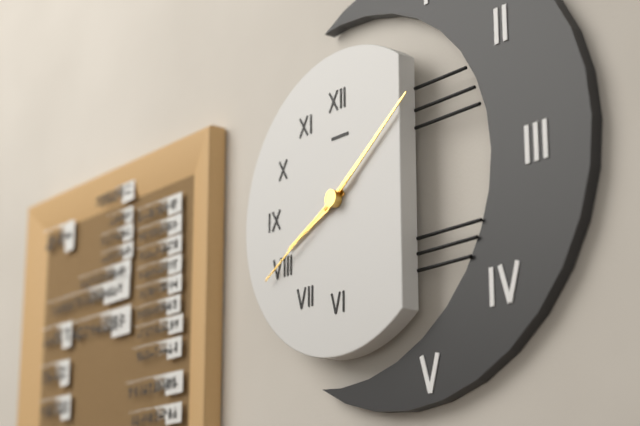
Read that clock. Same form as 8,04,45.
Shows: 8,09,40
